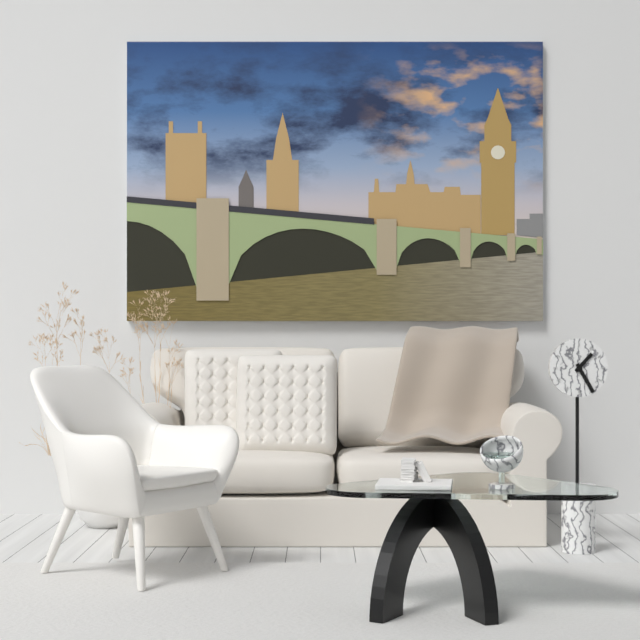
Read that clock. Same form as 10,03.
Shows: 1,25
